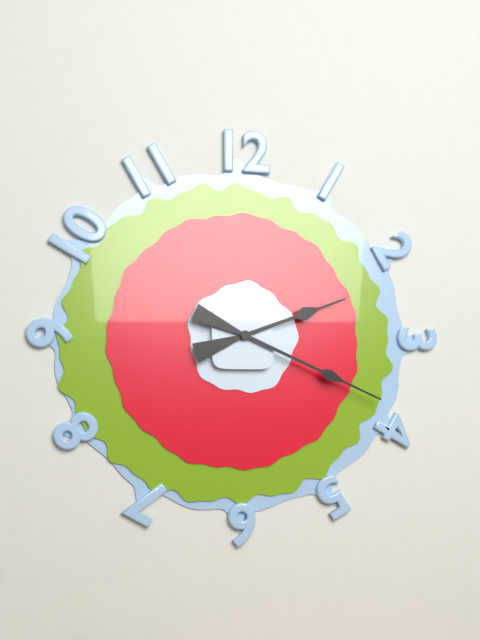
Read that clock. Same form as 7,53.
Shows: 2,19
